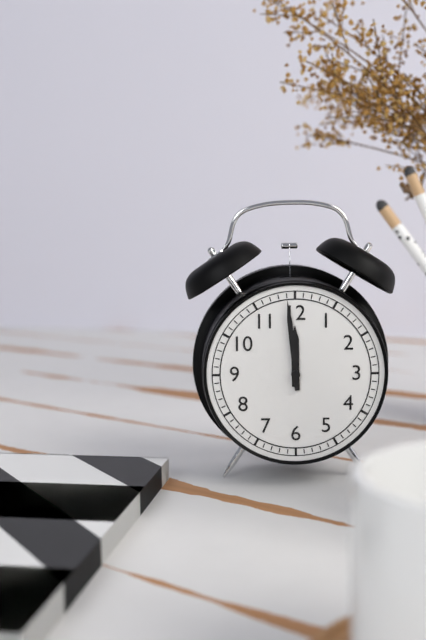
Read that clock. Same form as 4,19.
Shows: 11,59
